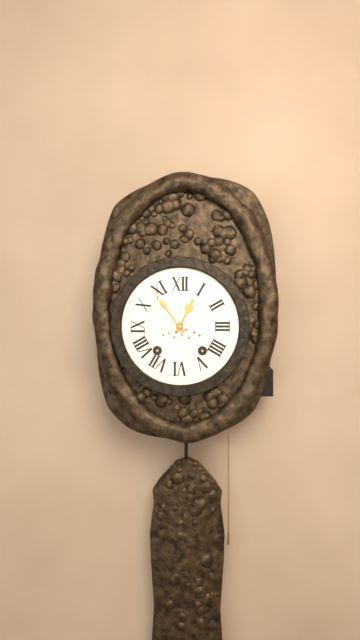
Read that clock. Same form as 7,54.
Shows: 12,54
